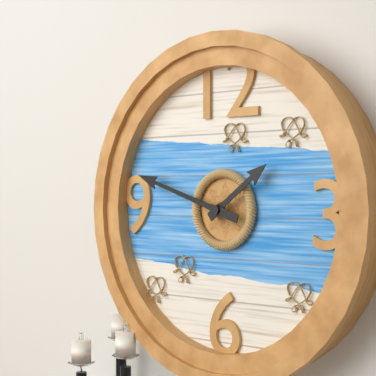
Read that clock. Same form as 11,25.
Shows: 1,48
